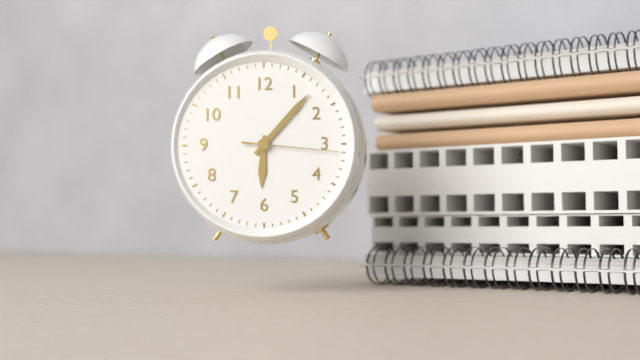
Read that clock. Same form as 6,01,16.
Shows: 6,07,16
